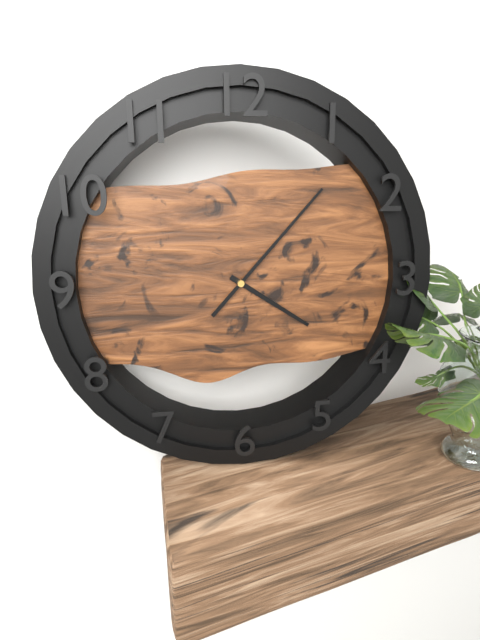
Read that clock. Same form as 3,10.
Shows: 4,07
